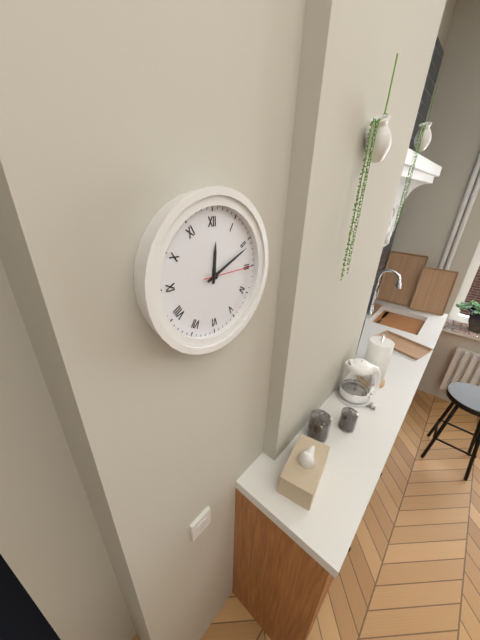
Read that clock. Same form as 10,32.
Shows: 12,11
